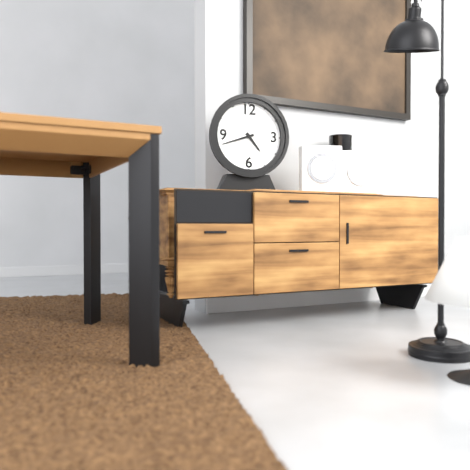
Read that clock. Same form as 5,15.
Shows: 4,42
